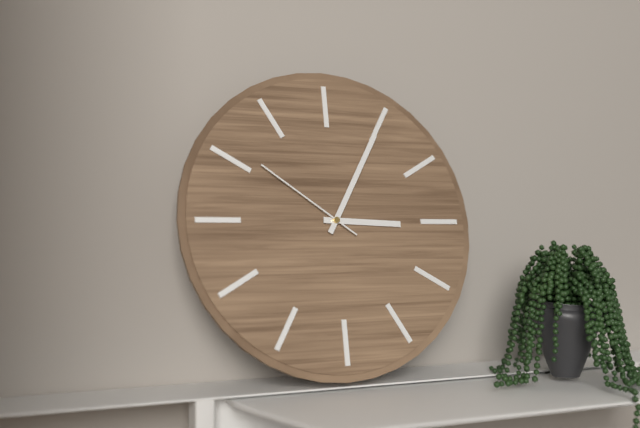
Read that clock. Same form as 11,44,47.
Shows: 3,05,51
